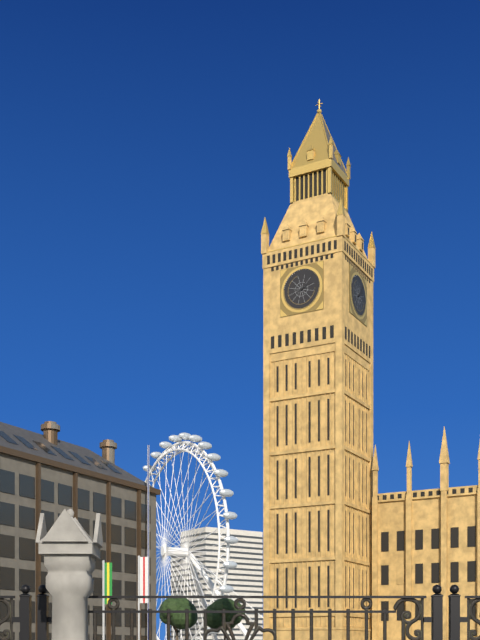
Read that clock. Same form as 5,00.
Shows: 2,07
